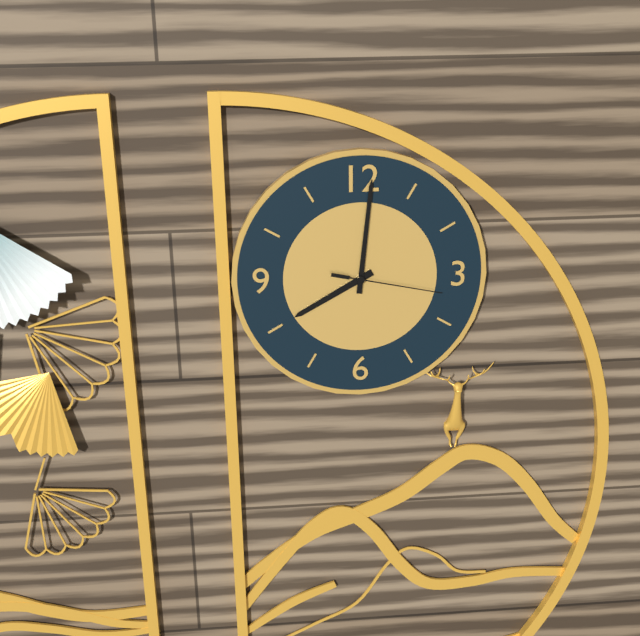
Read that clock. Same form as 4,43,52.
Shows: 8,01,17
